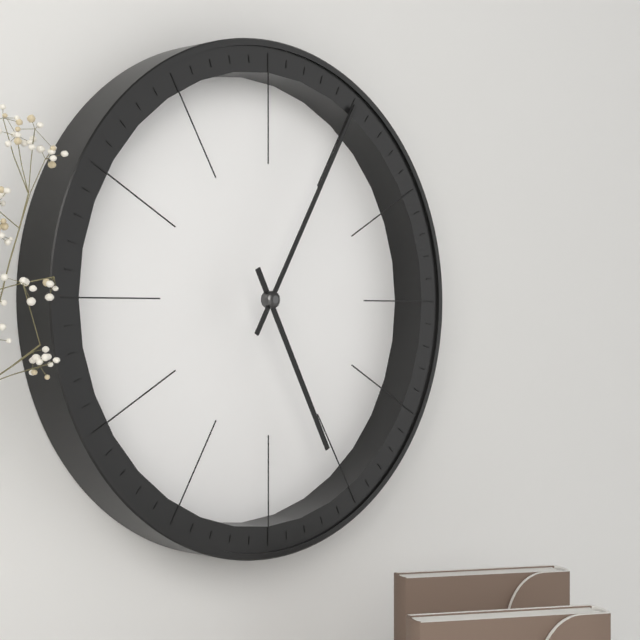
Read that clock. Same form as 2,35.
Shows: 5,05
